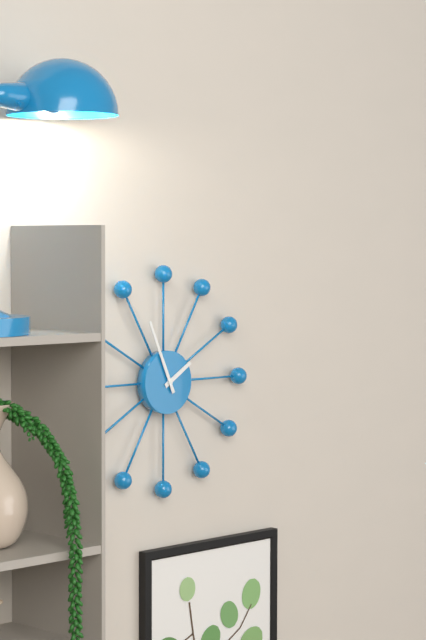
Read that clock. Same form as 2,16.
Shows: 1,56
